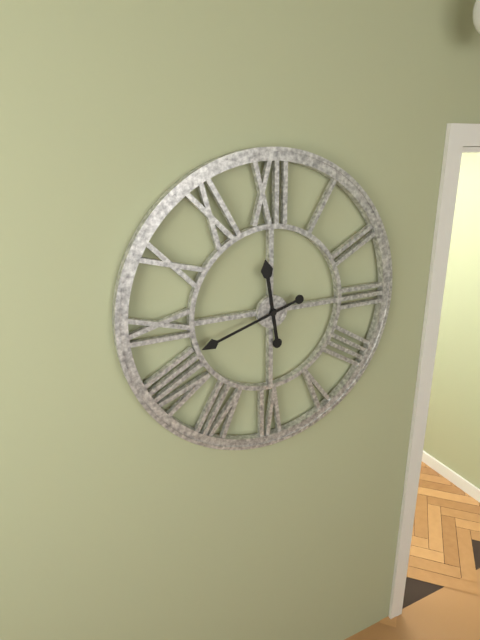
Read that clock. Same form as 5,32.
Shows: 11,42
